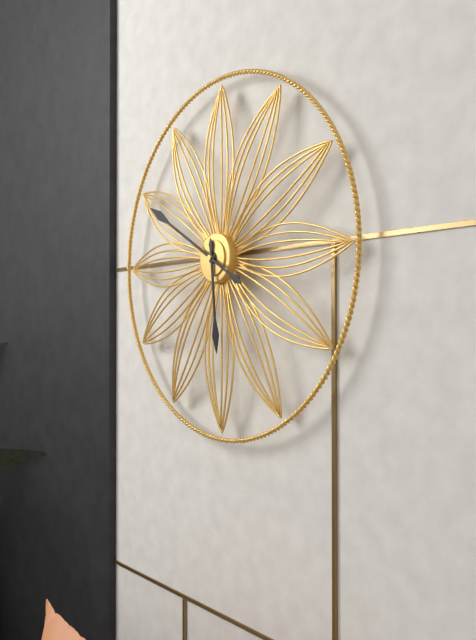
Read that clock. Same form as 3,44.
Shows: 5,50
